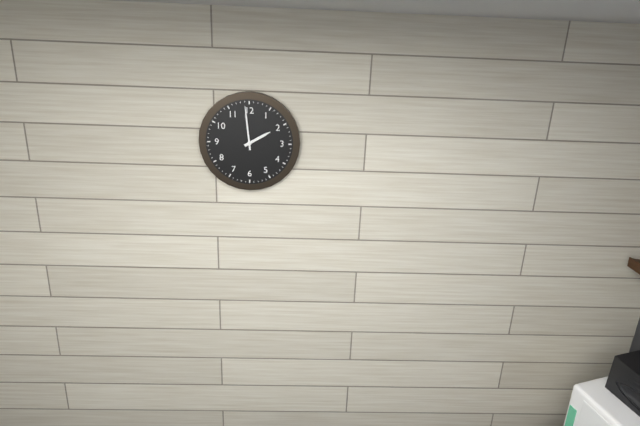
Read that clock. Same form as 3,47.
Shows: 1,59
